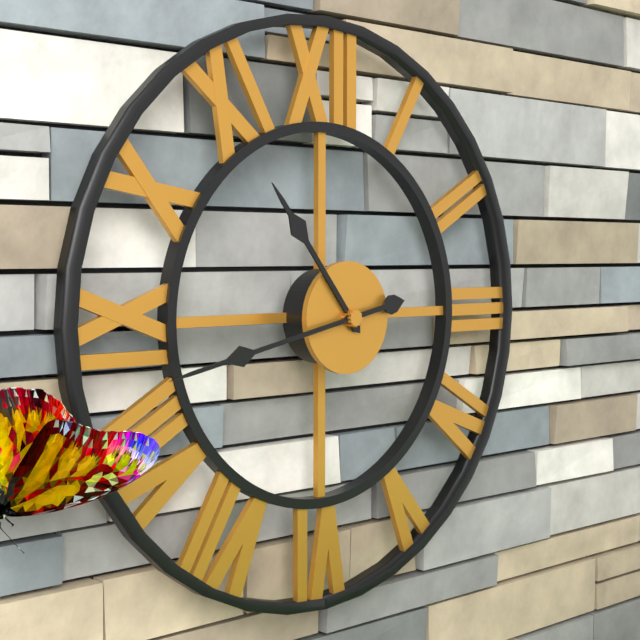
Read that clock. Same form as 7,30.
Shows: 10,43
